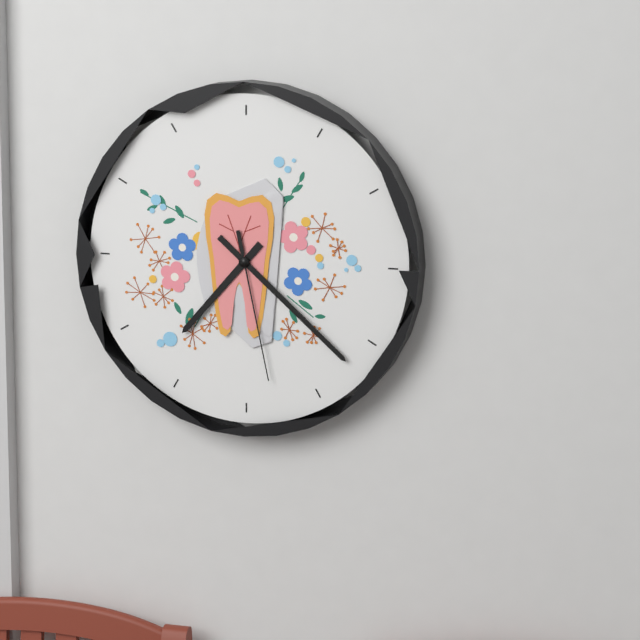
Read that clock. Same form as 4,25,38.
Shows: 7,22,28
